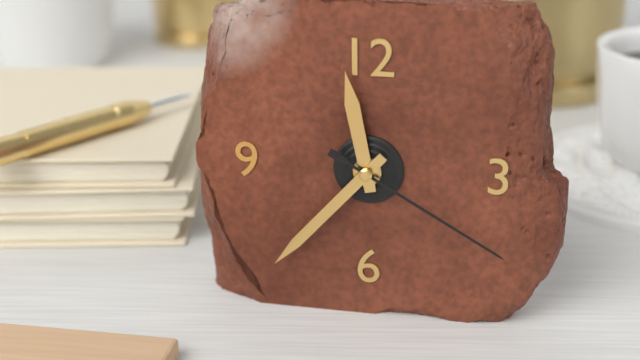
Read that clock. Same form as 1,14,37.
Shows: 11,37,20
